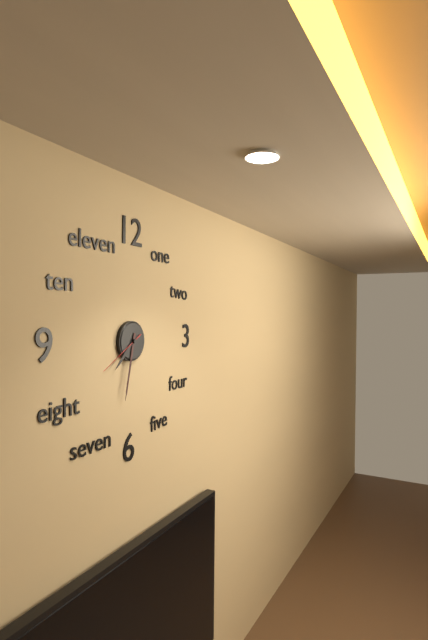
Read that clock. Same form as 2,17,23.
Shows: 7,32,40
